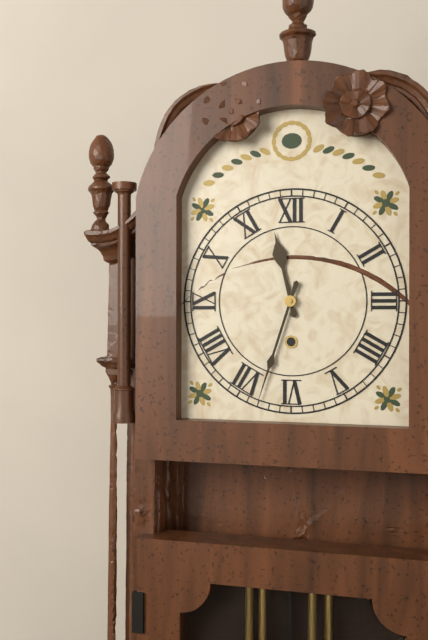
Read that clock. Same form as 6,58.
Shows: 11,33
